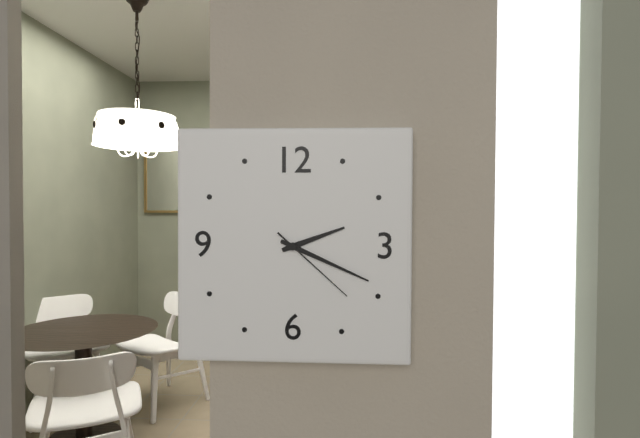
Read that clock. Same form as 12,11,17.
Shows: 2,19,22
